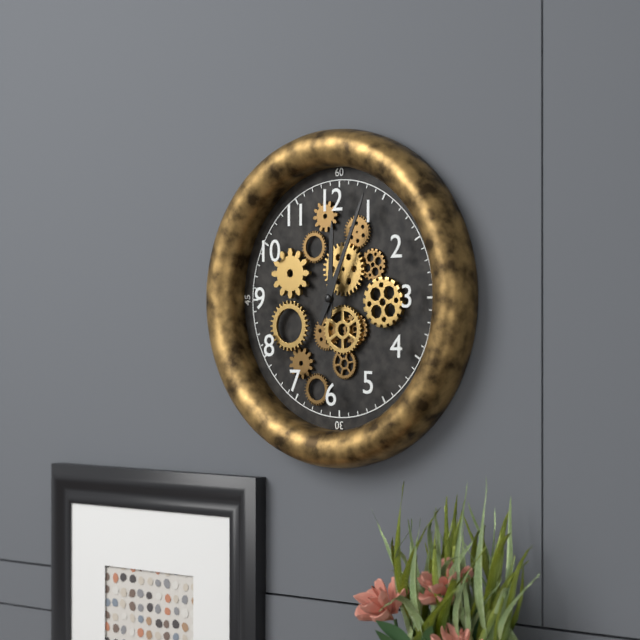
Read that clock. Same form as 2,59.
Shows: 12,04
